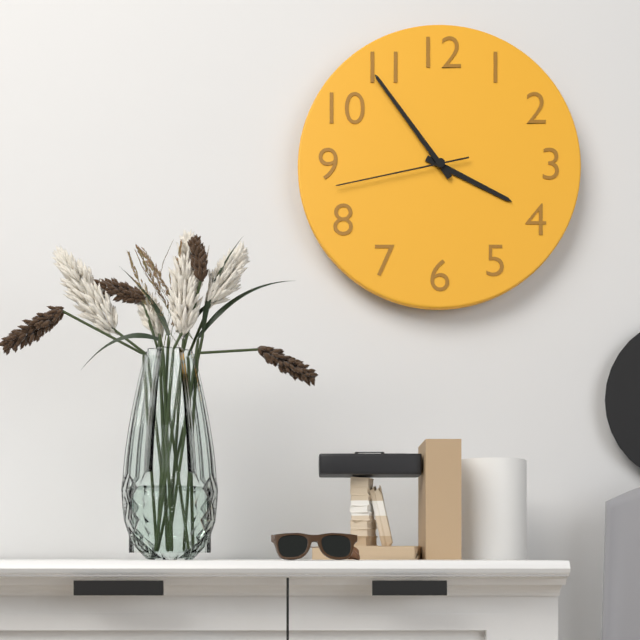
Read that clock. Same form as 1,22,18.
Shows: 3,54,43
